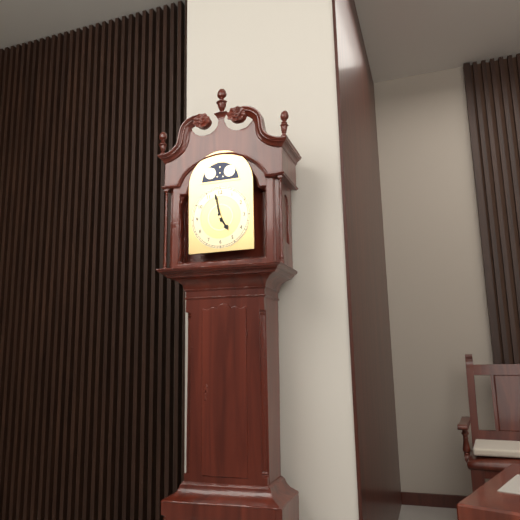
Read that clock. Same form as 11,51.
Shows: 4,58
